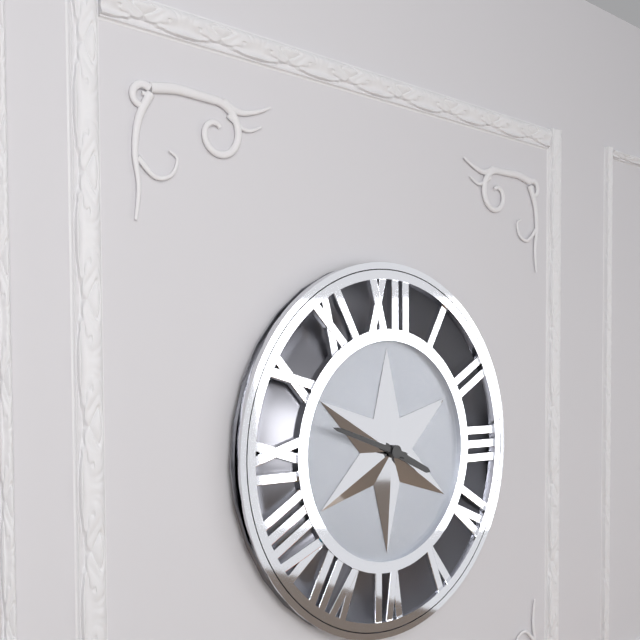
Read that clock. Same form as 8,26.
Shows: 3,48
